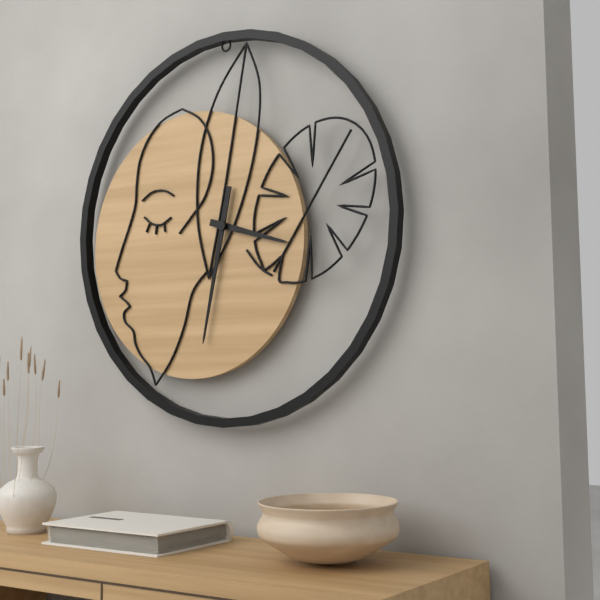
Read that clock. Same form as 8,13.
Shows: 3,32
